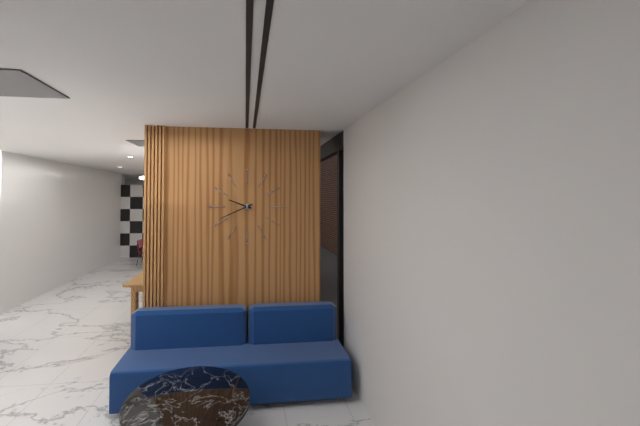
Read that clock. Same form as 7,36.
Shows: 9,41
